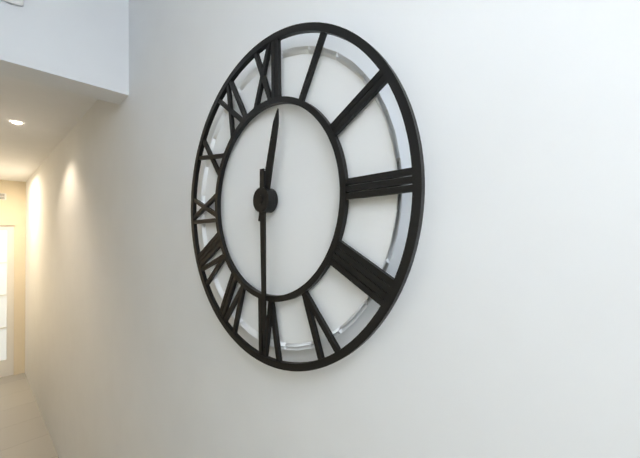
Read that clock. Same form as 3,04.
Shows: 12,30
